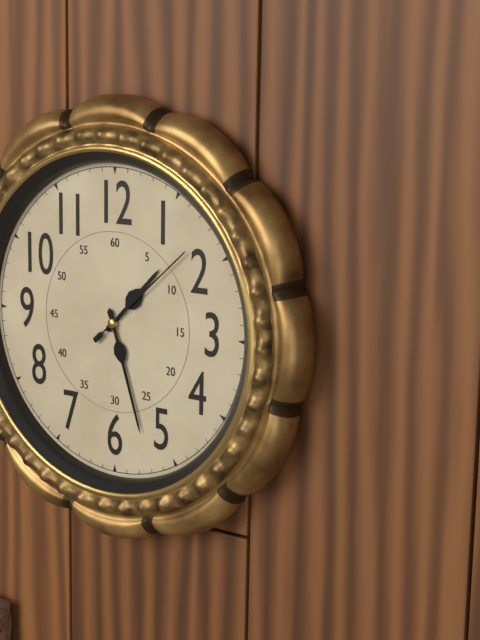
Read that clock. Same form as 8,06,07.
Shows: 1,27,08
